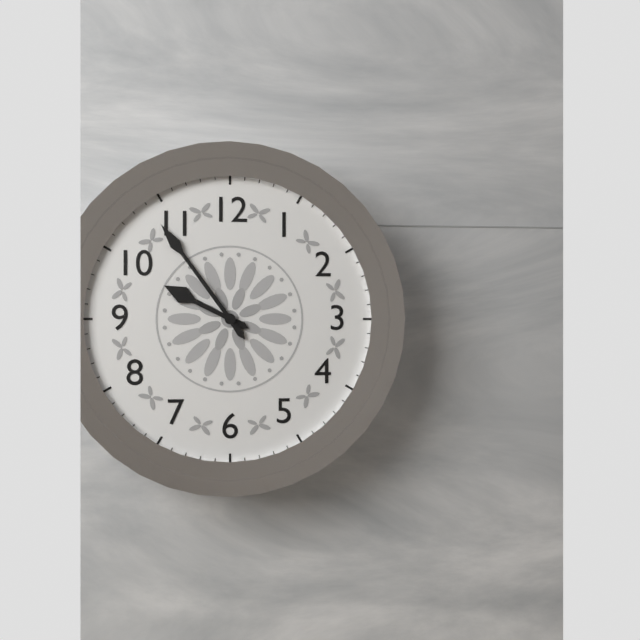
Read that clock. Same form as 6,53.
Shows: 9,54
